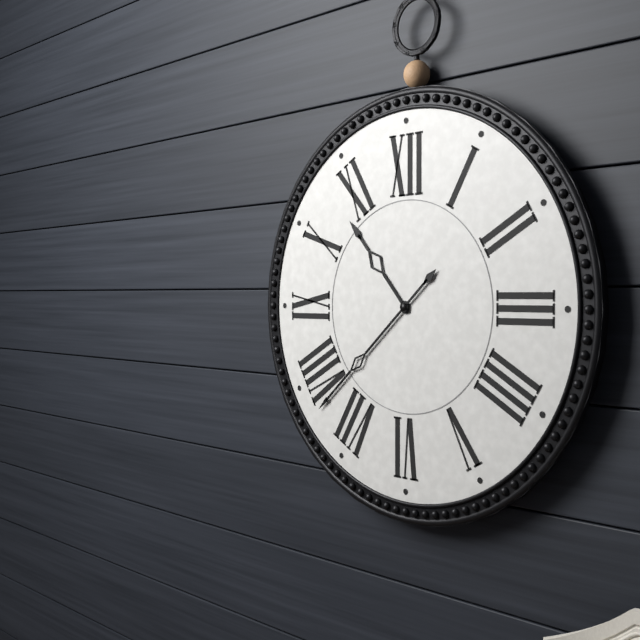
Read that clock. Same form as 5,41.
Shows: 10,38
